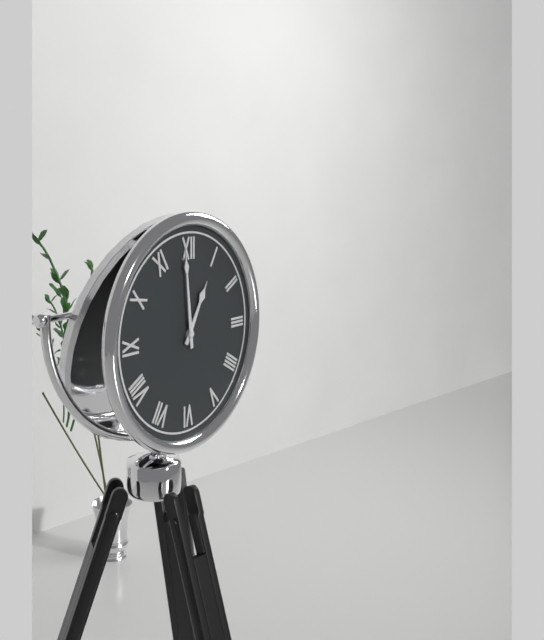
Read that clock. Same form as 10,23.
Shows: 12,59
